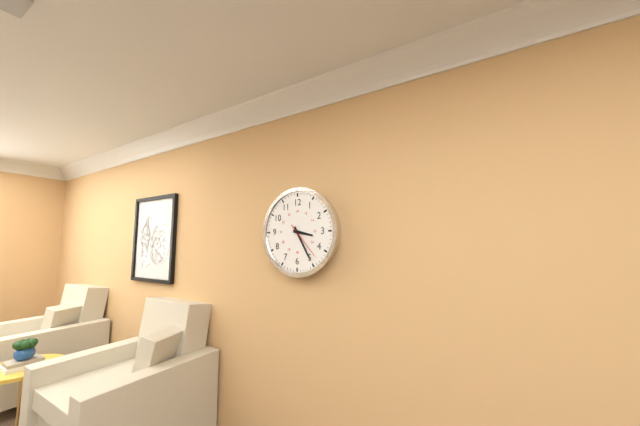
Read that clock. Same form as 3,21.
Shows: 3,25
